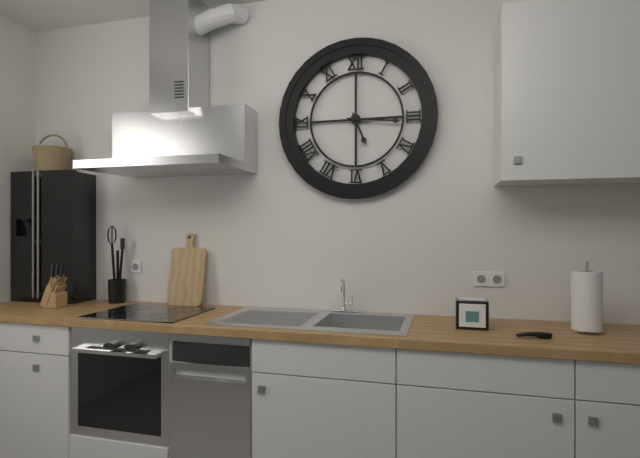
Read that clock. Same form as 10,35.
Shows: 5,16
